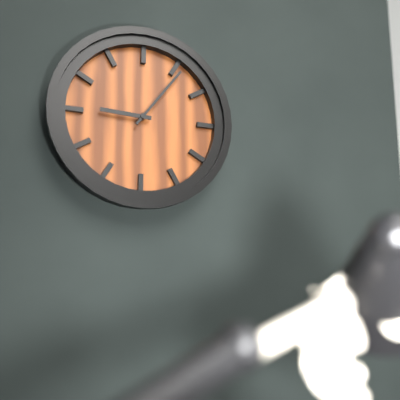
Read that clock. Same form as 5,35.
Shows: 9,06
